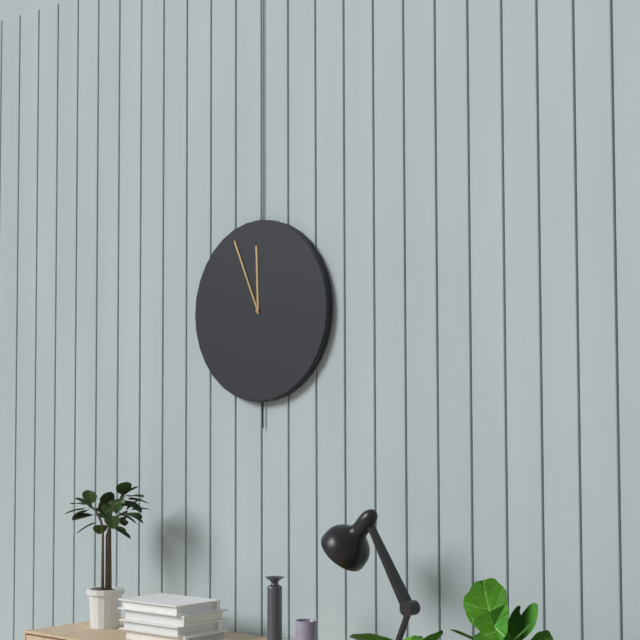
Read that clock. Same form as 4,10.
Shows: 11,56
